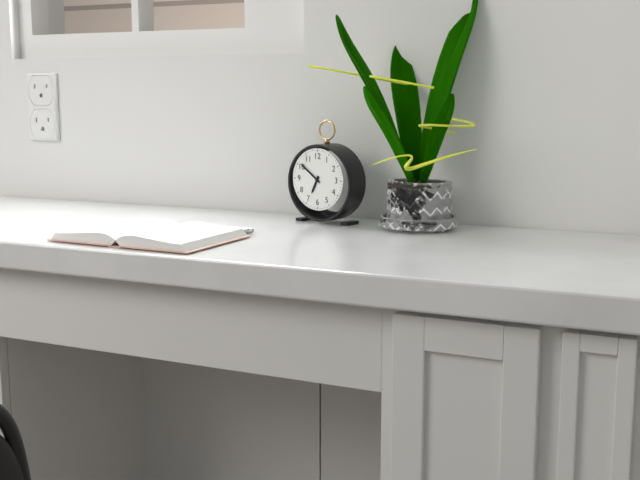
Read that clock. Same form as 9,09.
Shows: 6,51
